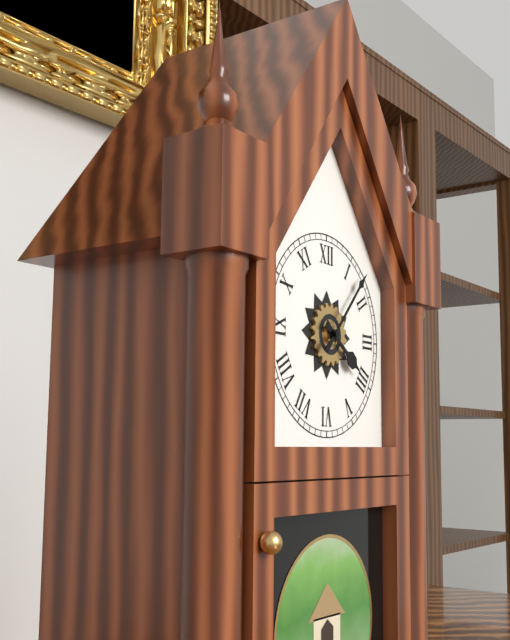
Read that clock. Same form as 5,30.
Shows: 4,07
